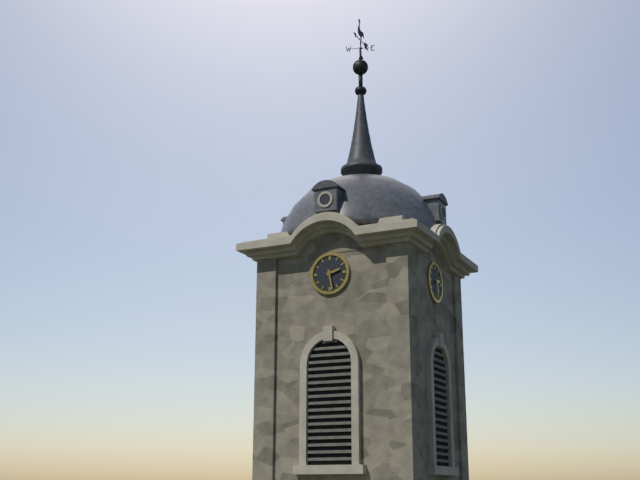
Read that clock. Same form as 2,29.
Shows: 2,28
